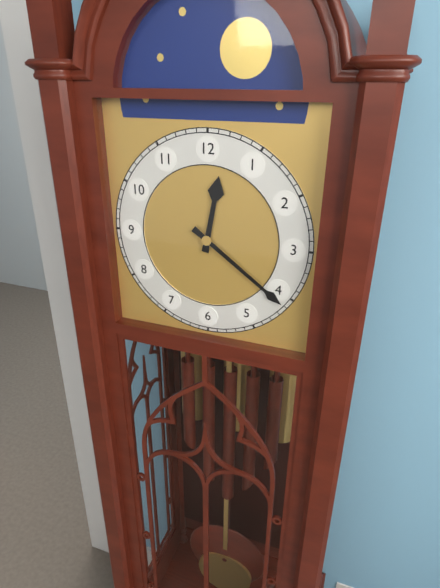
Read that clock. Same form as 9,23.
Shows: 12,21
